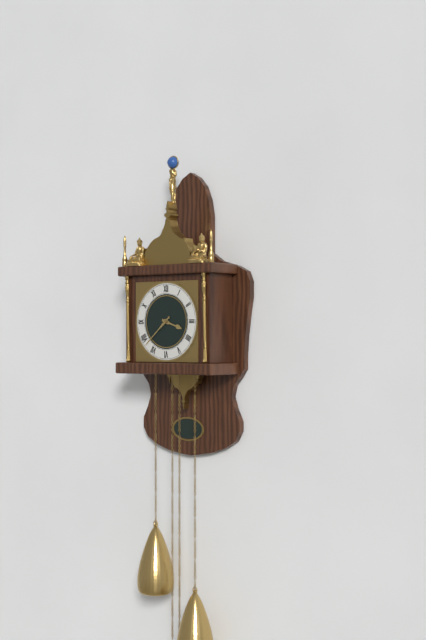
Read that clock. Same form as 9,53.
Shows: 3,38
